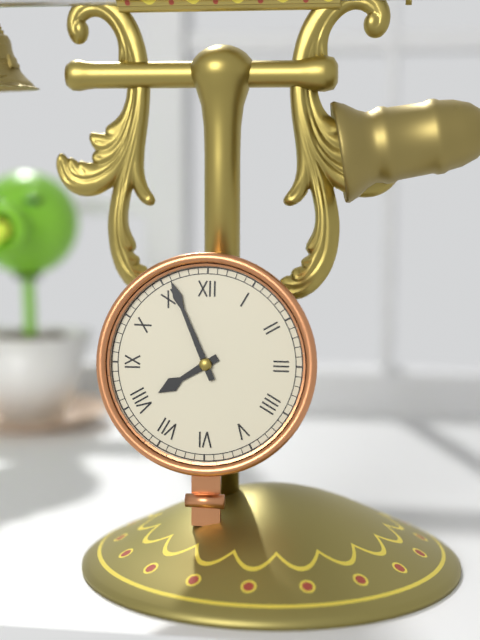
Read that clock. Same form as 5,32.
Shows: 7,56
